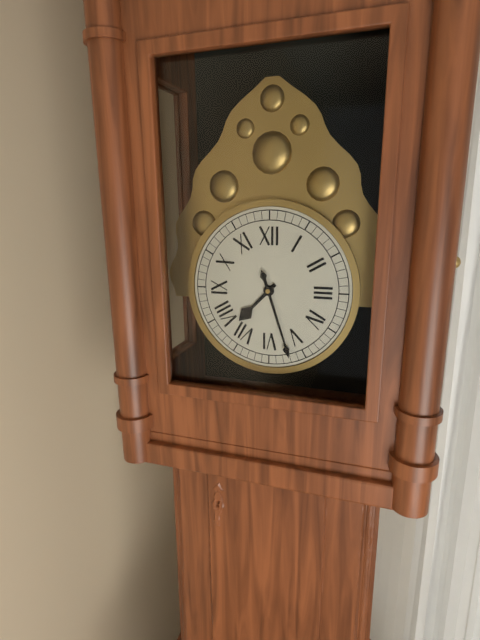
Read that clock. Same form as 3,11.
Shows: 7,27
